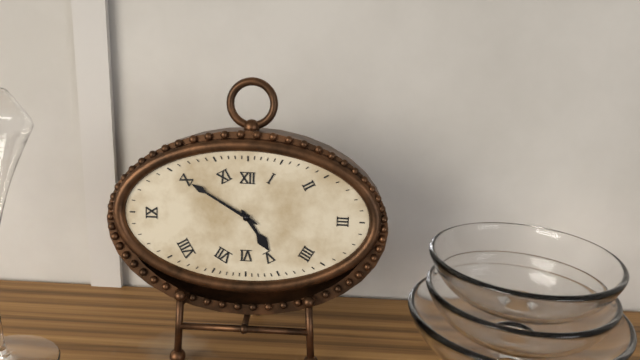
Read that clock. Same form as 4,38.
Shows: 4,50
